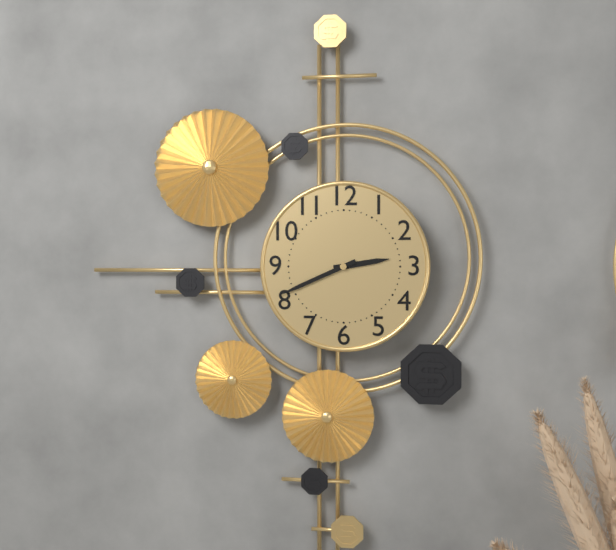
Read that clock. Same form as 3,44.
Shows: 2,41
